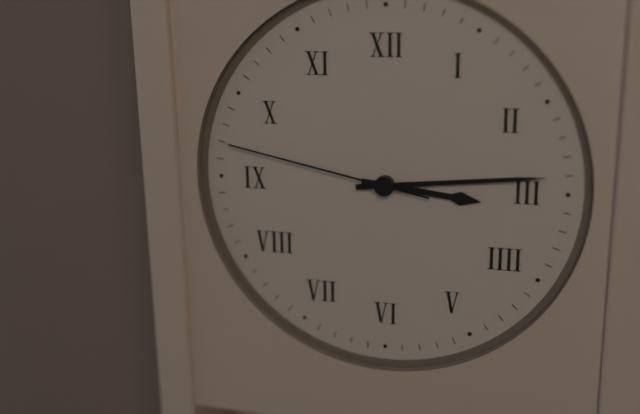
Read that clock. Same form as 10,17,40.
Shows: 3,14,47
